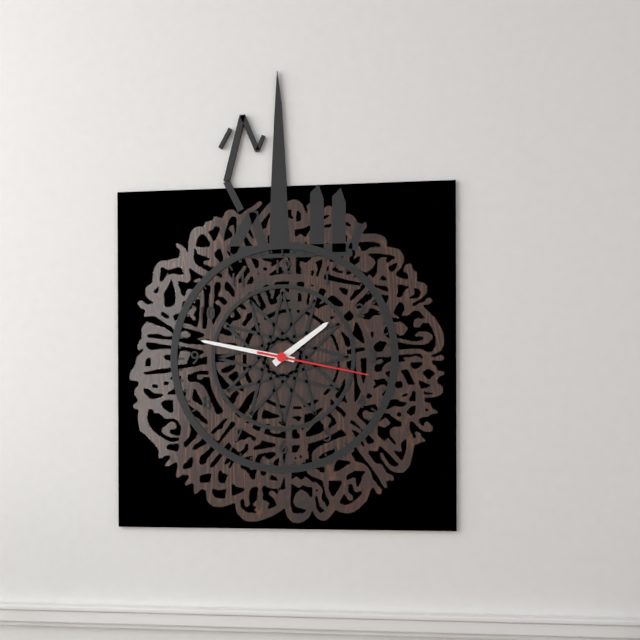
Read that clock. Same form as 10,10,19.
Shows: 1,47,17
